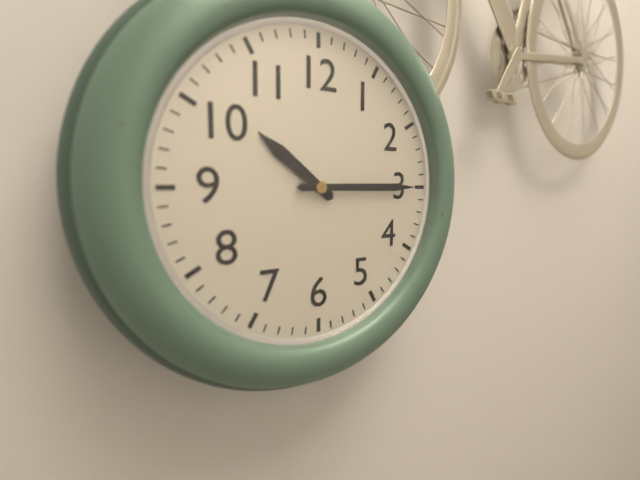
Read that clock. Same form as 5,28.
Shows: 10,15
